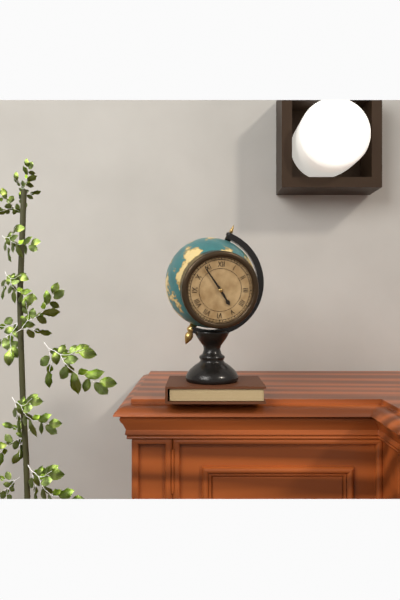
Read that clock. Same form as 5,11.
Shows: 4,54
